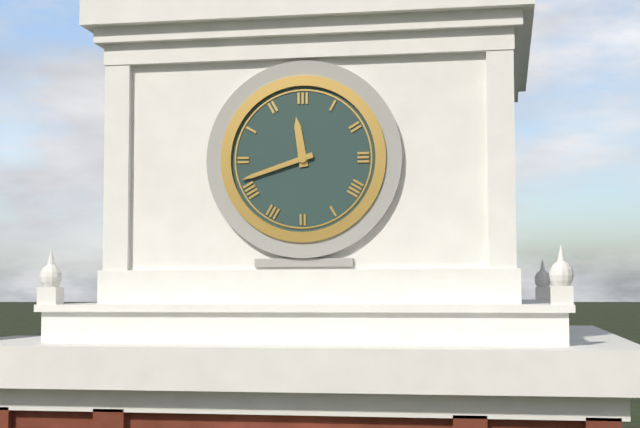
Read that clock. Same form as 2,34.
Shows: 11,42
